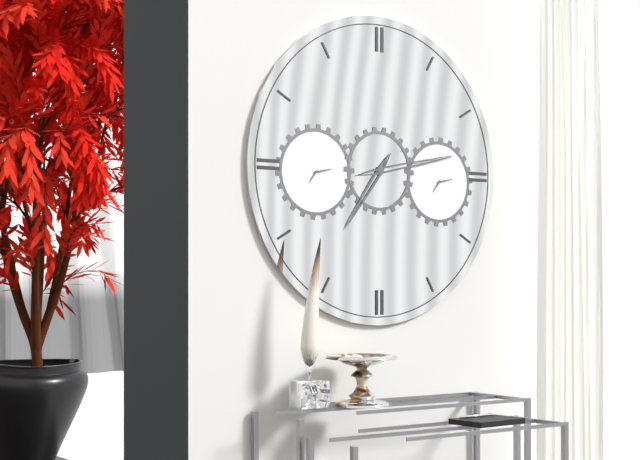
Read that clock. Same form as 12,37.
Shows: 7,13
